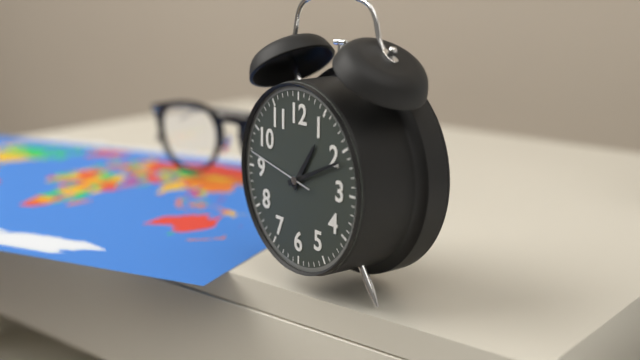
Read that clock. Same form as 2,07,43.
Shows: 1,11,47
